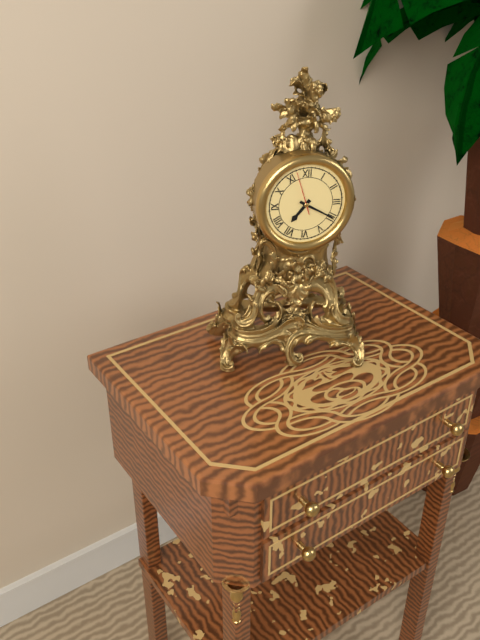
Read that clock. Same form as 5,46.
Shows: 7,20
